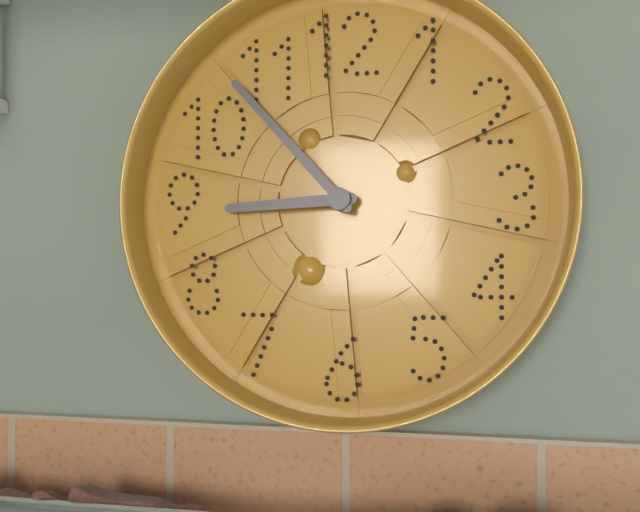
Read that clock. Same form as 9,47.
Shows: 8,53
